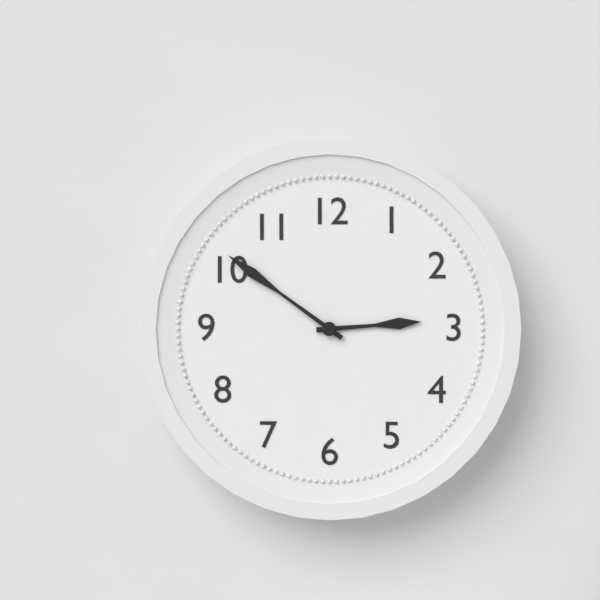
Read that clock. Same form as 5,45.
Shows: 2,51
